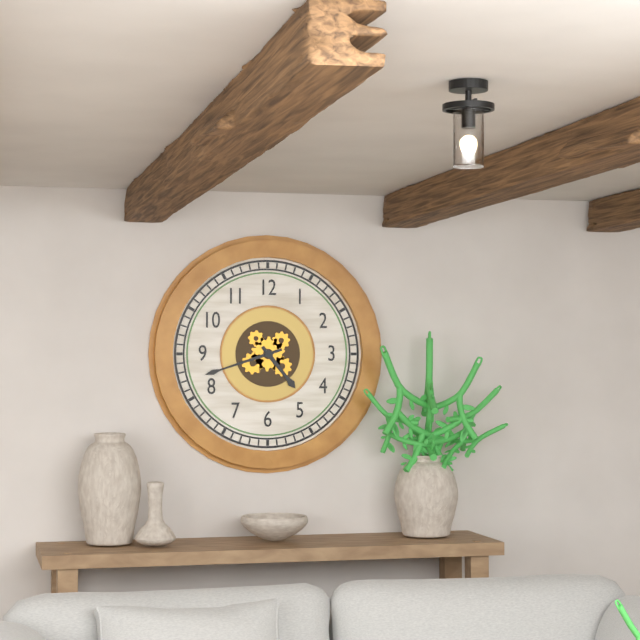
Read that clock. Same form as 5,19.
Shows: 4,42
